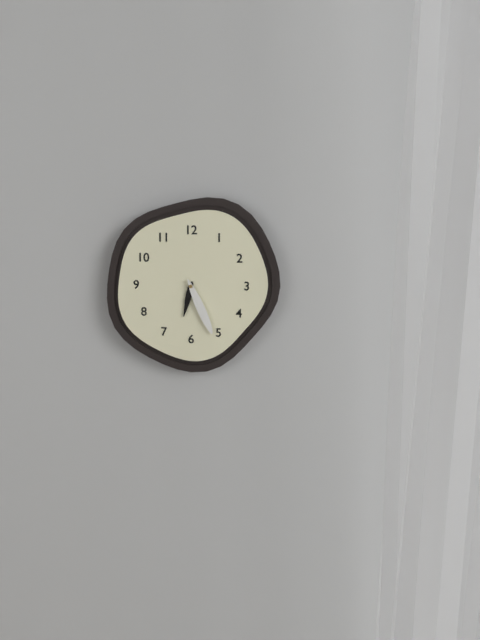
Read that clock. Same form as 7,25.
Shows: 6,26
